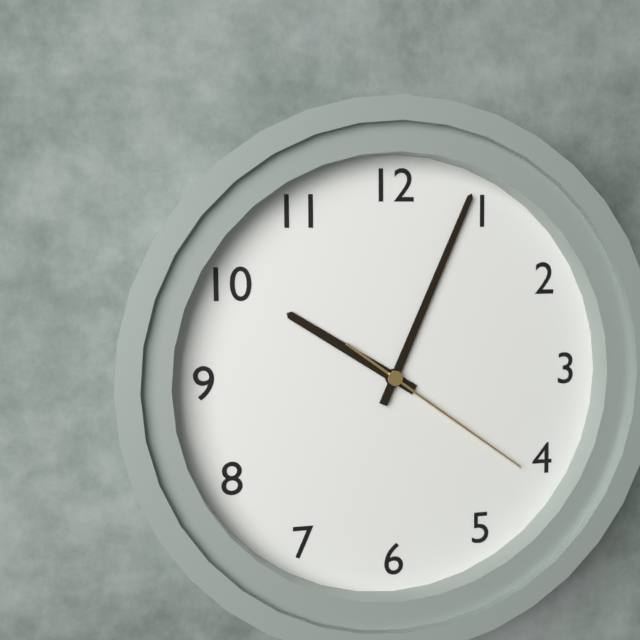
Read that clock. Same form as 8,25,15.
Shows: 10,04,21
